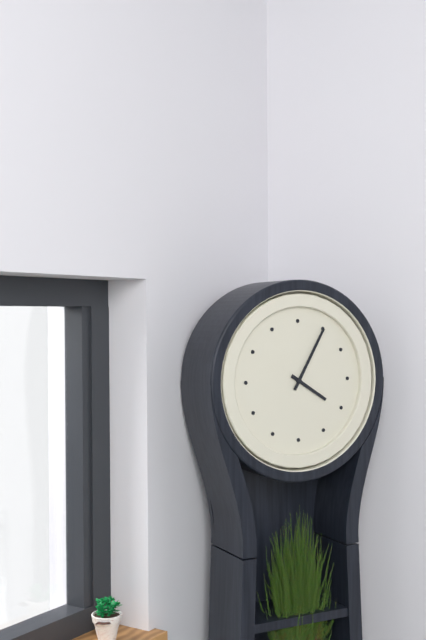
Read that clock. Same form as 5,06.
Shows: 4,05
